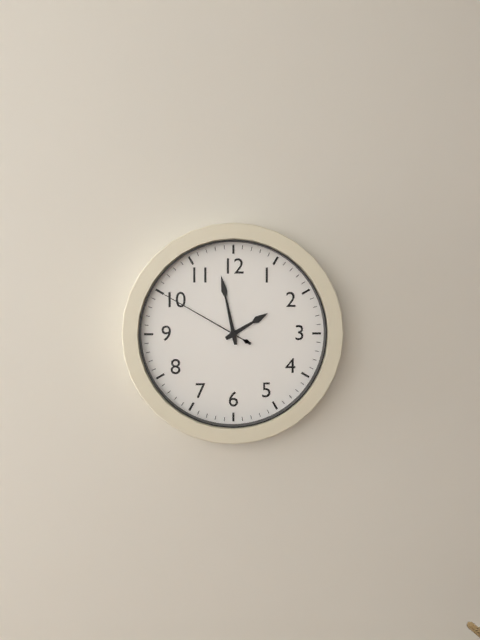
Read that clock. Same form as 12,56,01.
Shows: 1,58,50
